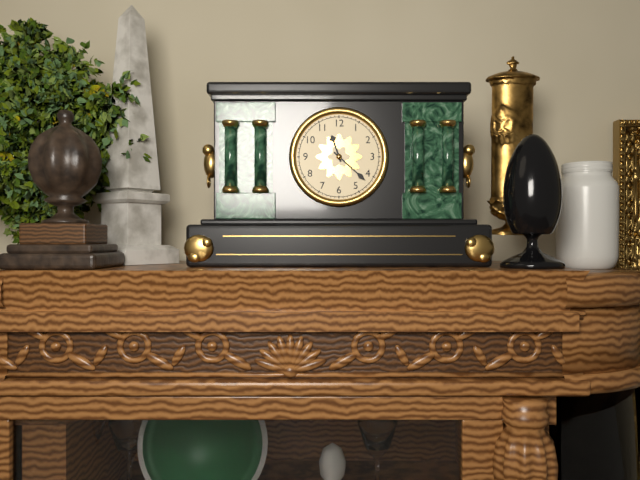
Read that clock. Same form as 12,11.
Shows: 11,22
